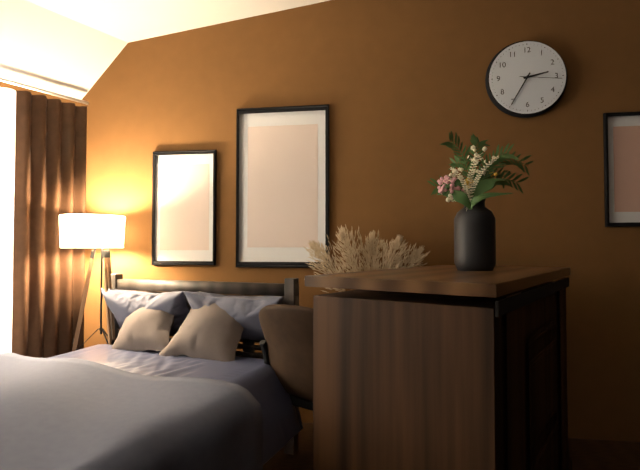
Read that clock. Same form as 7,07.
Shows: 2,35
